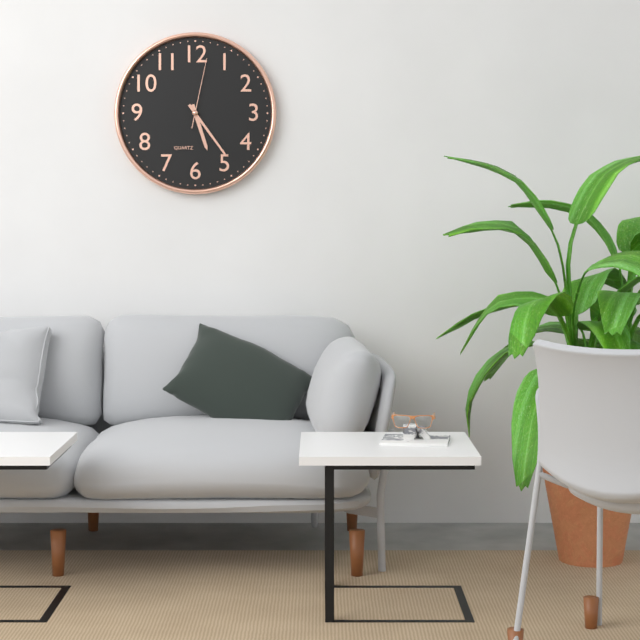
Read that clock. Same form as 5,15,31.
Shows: 5,24,02
